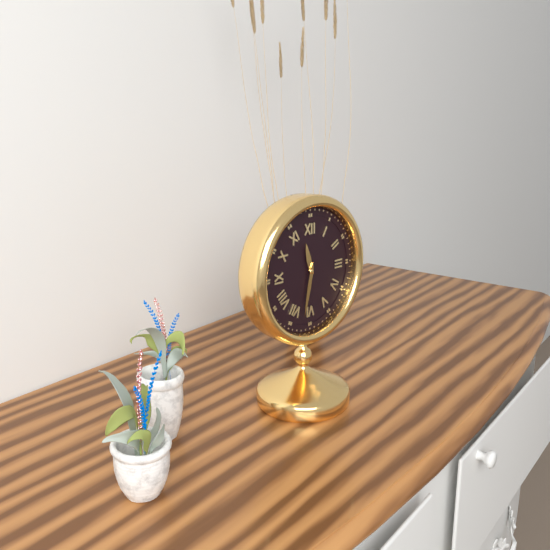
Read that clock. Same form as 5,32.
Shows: 11,32
